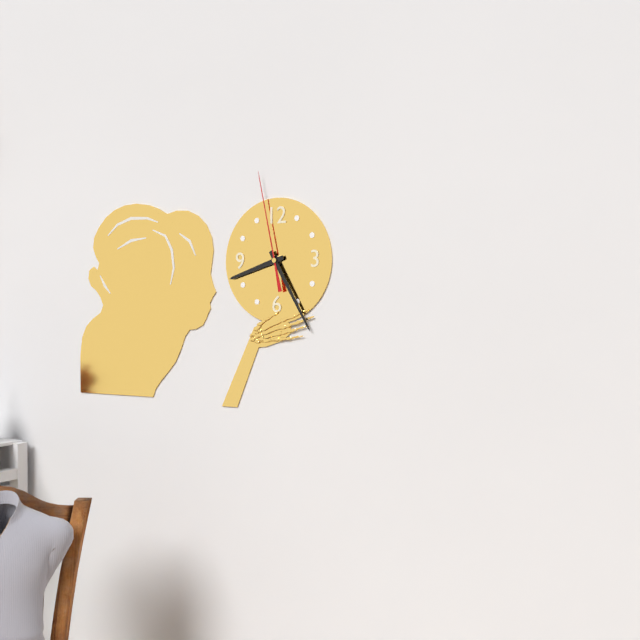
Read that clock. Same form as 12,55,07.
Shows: 8,25,58
